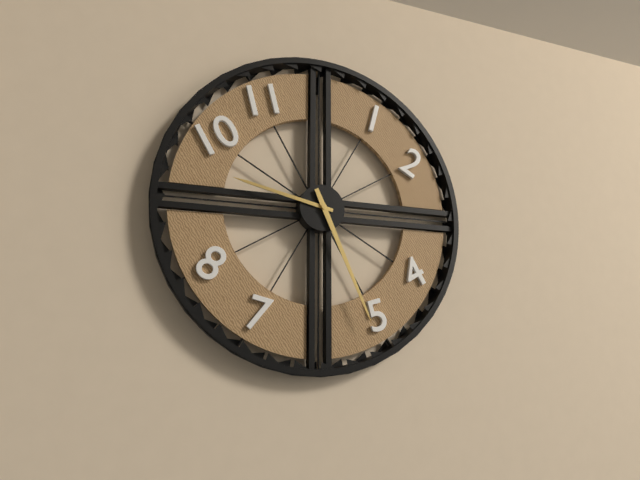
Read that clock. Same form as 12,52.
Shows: 9,26
